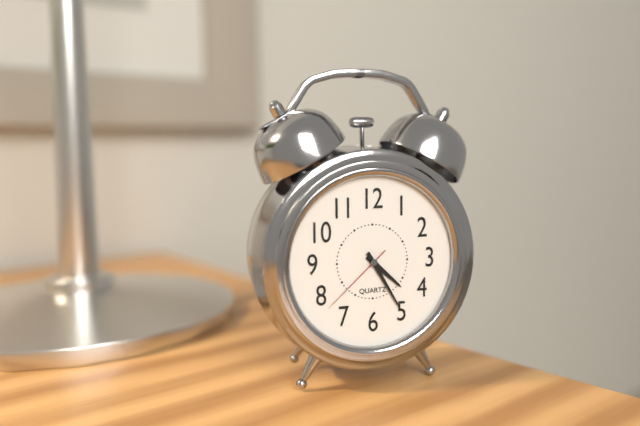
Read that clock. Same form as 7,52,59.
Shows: 4,25,38
